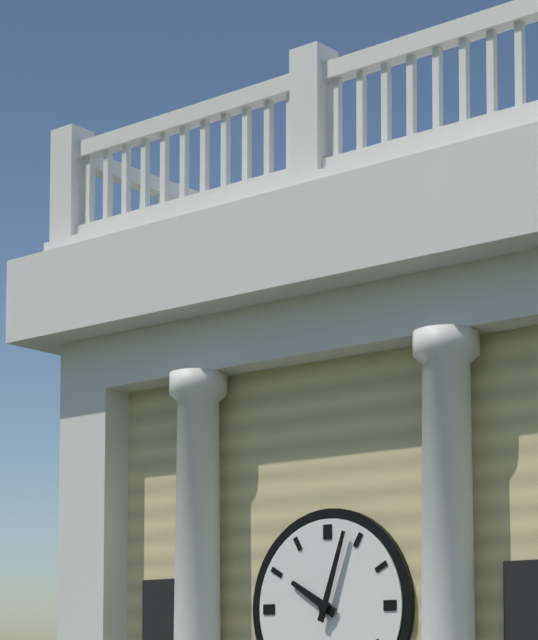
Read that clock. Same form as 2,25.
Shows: 10,03
